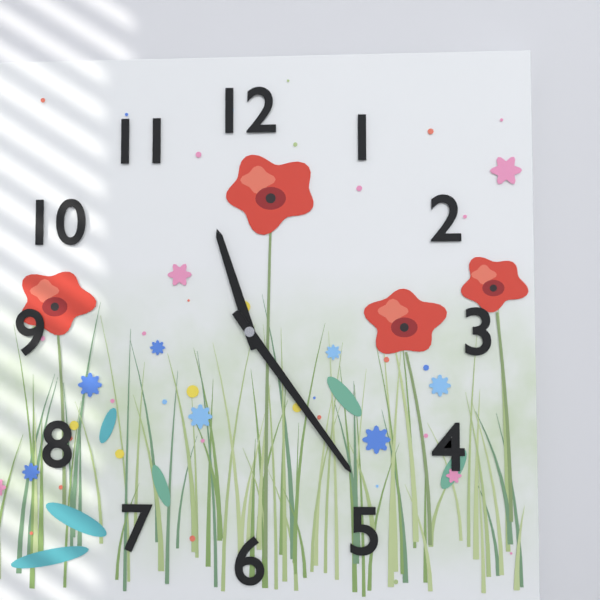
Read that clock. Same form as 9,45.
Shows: 11,24
